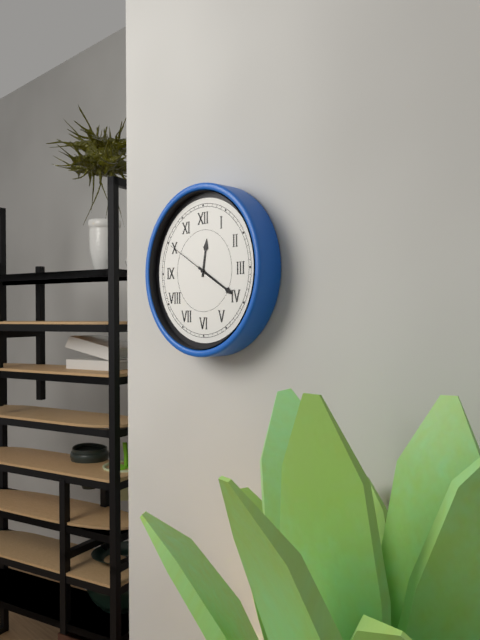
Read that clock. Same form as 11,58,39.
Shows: 12,20,50
